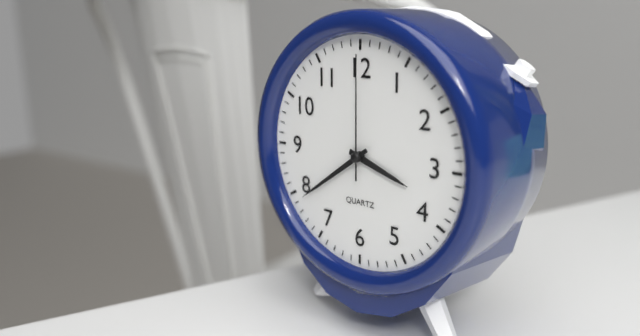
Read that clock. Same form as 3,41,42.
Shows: 3,39,00
